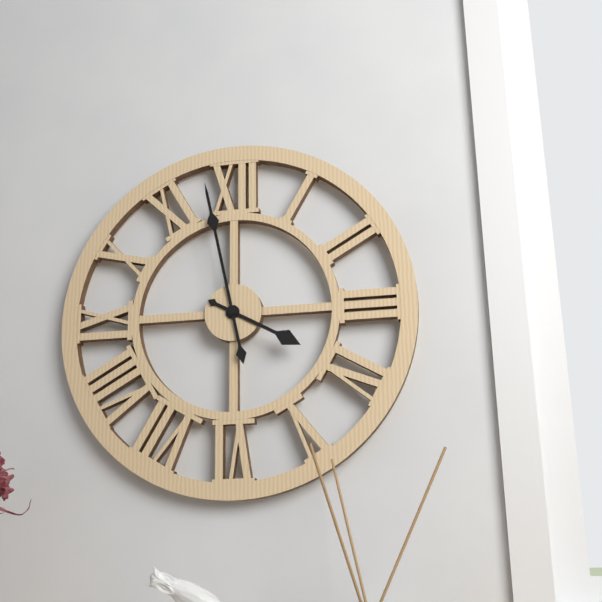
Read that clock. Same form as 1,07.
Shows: 3,58
